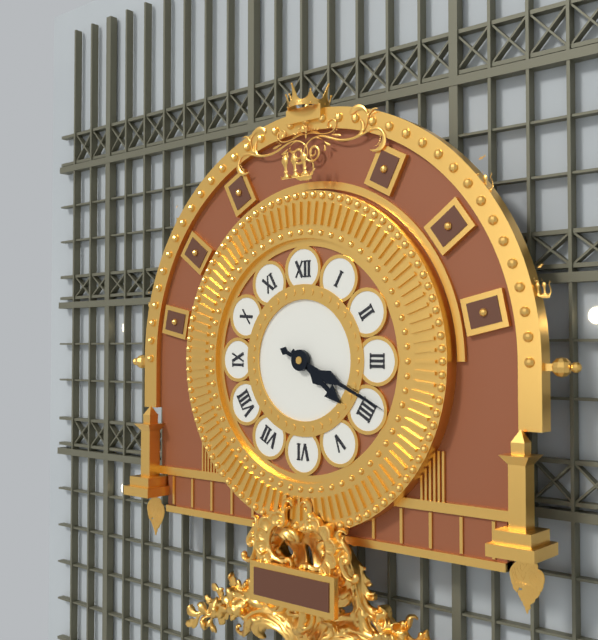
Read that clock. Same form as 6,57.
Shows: 4,19
